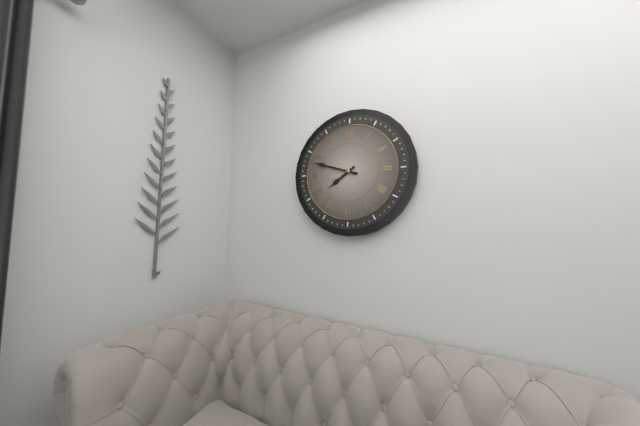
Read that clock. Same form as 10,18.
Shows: 7,48
